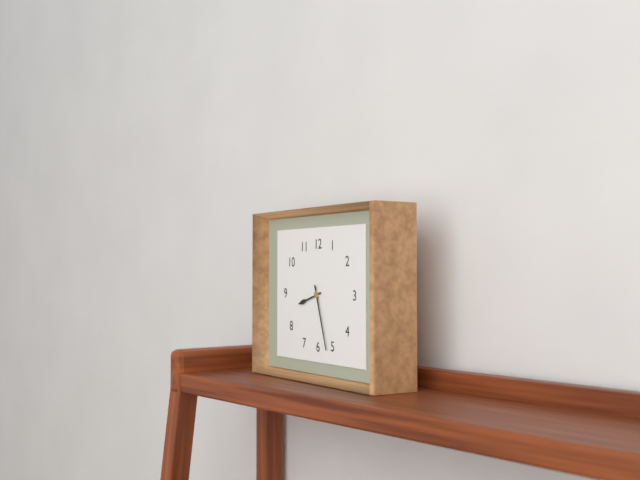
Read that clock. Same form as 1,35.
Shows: 8,27
